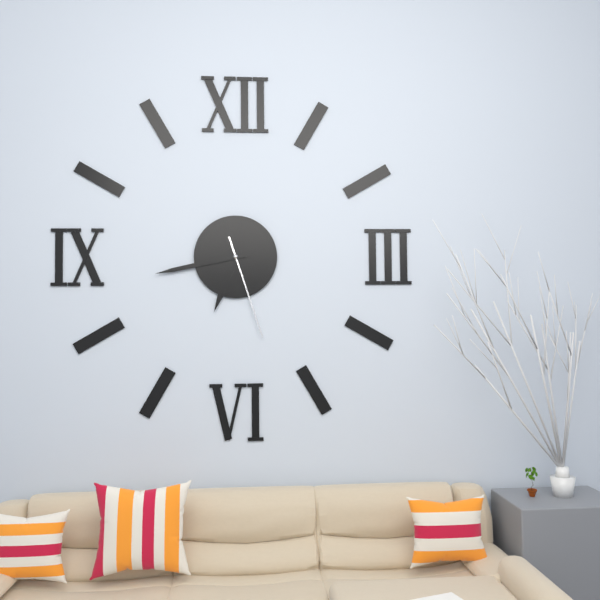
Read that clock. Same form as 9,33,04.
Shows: 6,43,27
